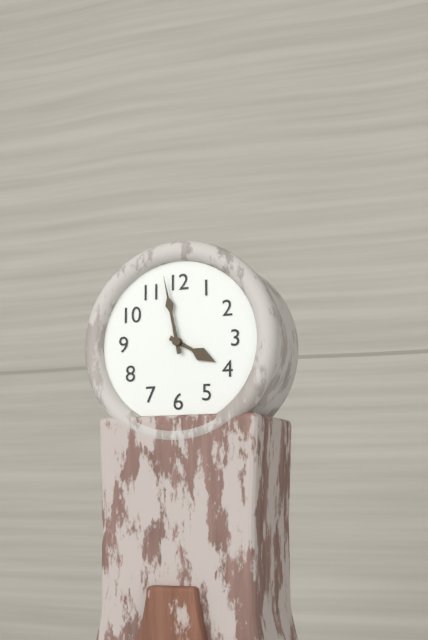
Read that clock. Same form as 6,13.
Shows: 3,58
